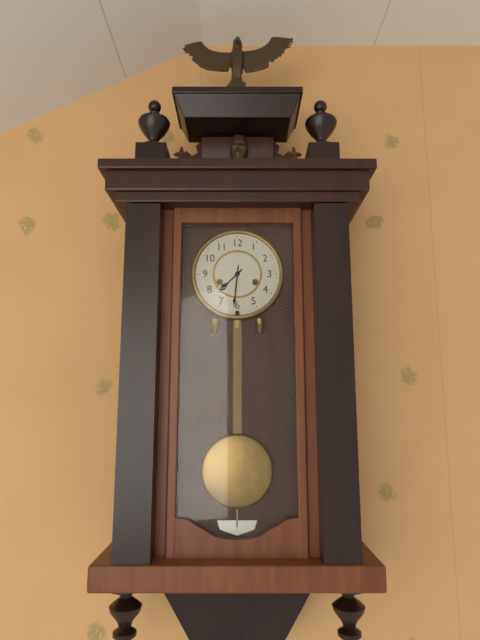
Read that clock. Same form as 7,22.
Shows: 7,31
